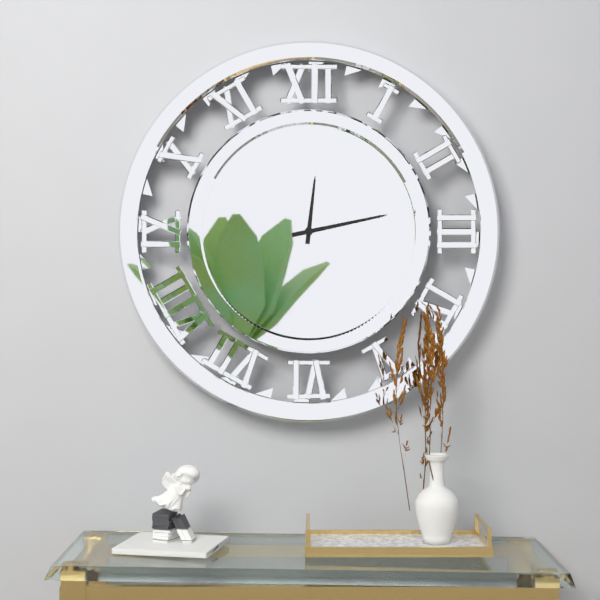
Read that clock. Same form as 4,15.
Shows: 12,13
